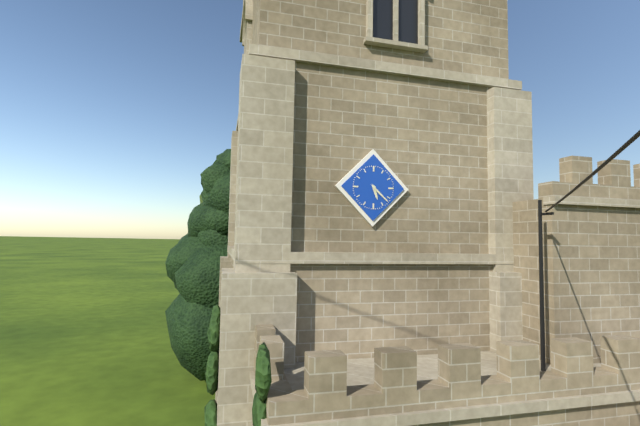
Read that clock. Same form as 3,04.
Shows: 5,22
